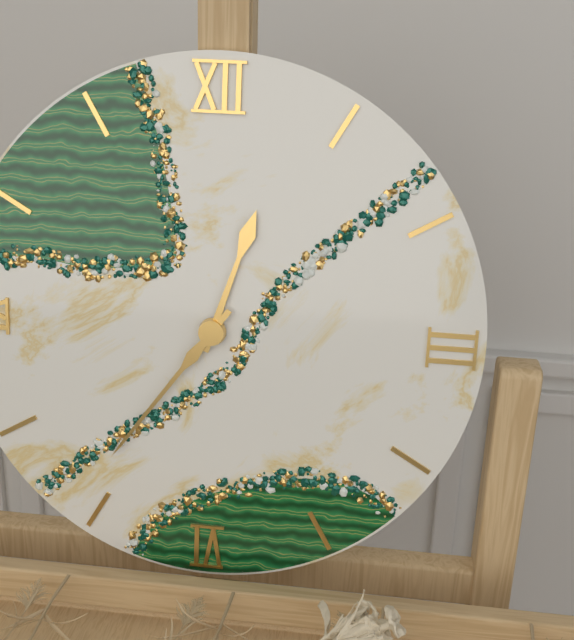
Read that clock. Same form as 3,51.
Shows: 12,36
